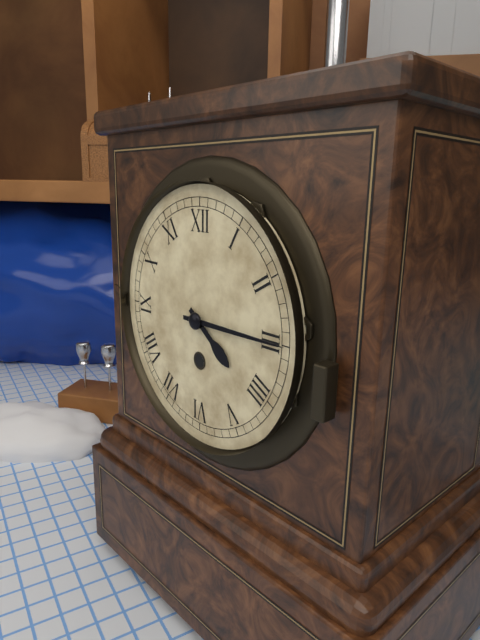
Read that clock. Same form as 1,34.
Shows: 4,15
